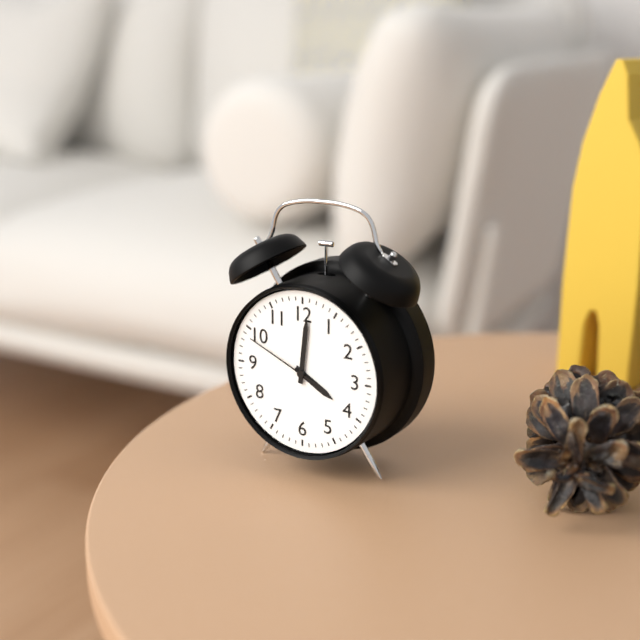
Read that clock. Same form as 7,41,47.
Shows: 4,01,49
